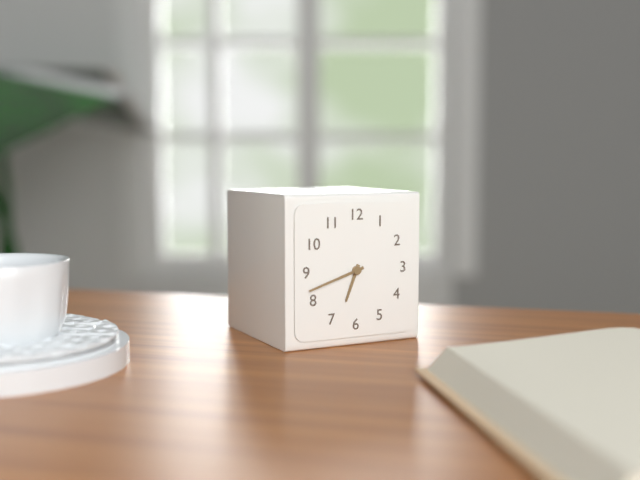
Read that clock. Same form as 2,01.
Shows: 6,42
